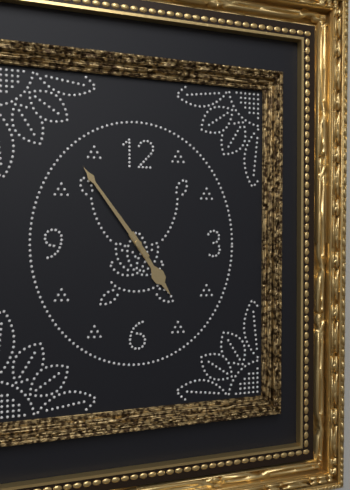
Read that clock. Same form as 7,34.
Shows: 4,54
